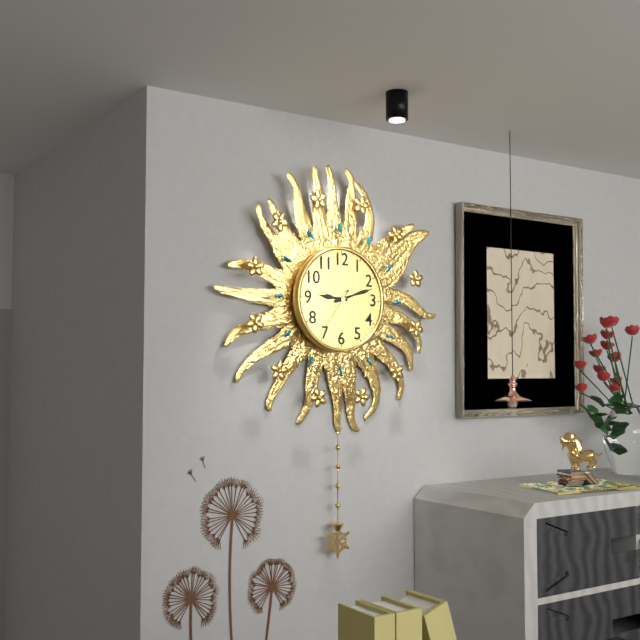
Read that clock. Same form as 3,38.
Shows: 9,12
